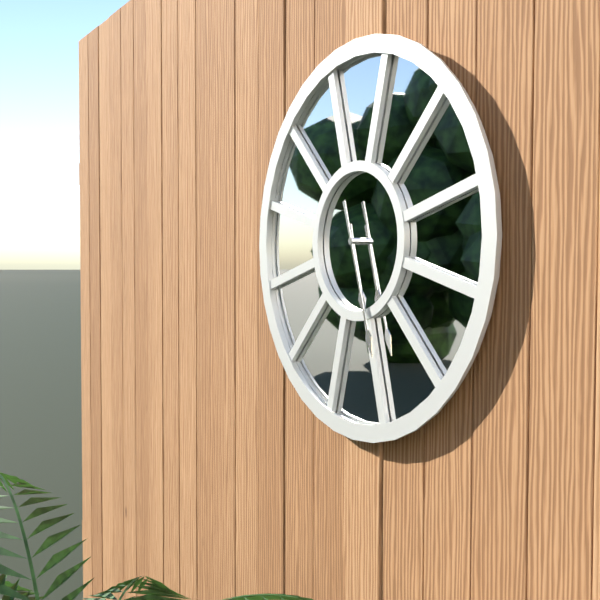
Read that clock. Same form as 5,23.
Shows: 5,27
